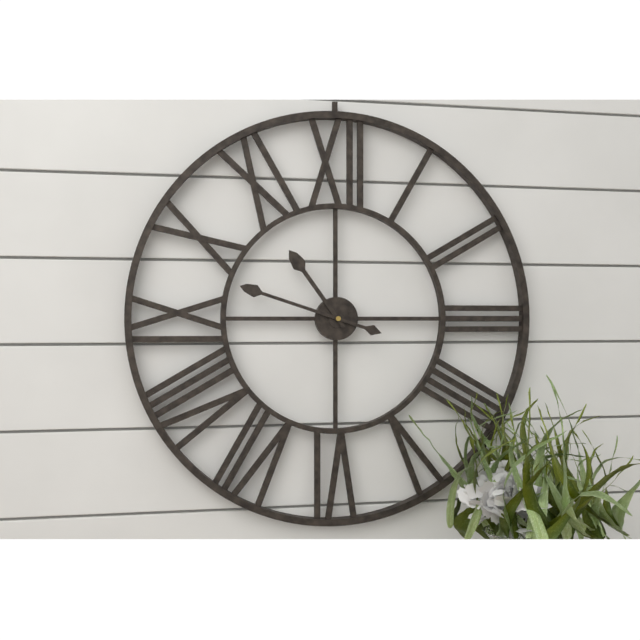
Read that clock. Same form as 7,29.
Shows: 10,48
